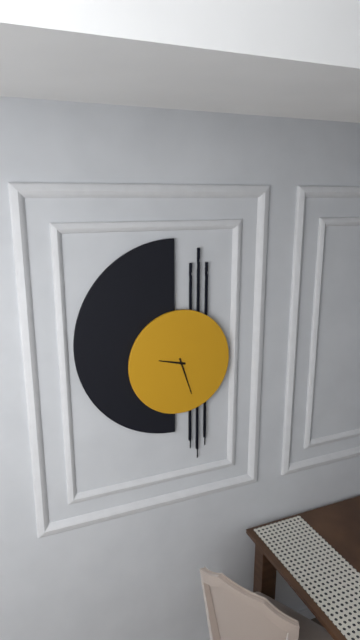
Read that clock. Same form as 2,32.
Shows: 9,27
